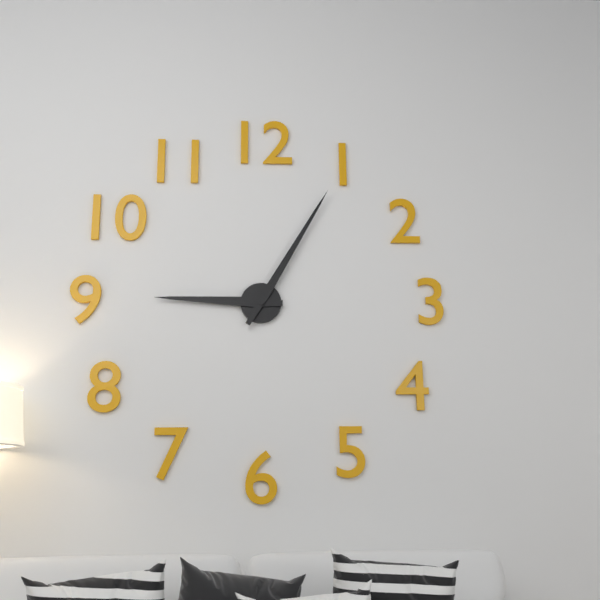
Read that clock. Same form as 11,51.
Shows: 9,05
